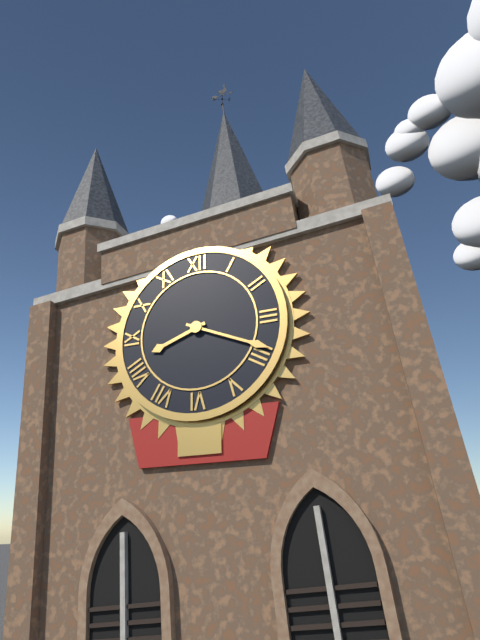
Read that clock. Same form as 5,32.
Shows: 8,19
